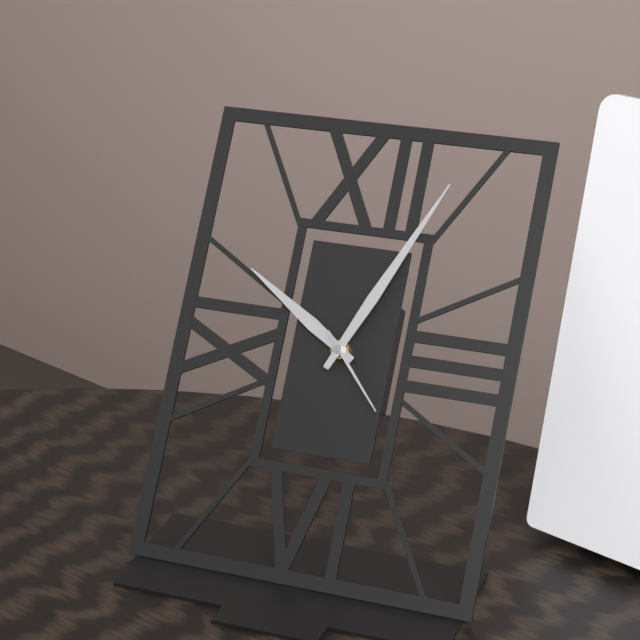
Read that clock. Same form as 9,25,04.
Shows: 10,04,23
